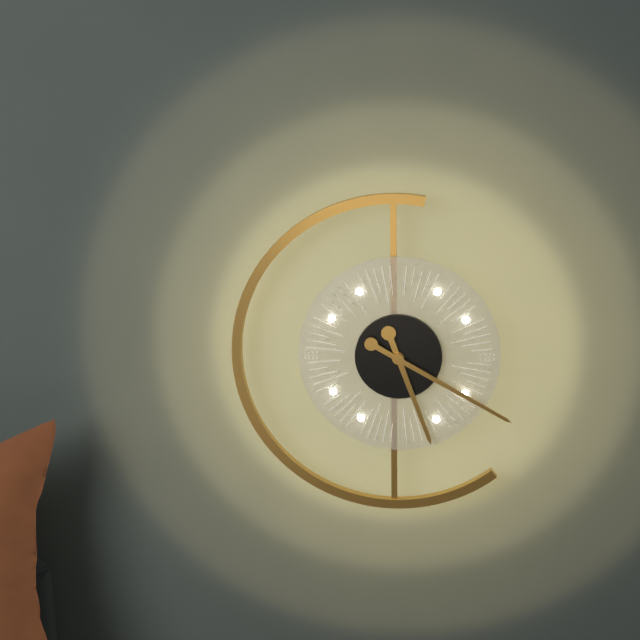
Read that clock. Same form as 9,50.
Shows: 5,20
